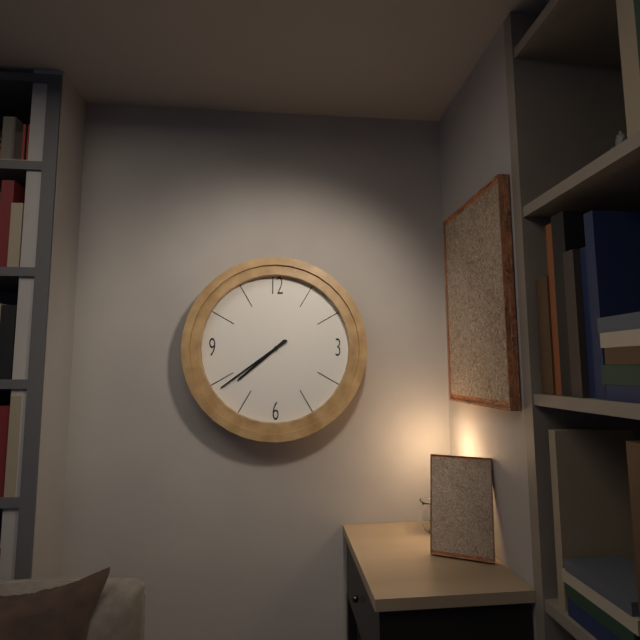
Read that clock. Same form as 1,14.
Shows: 7,39
